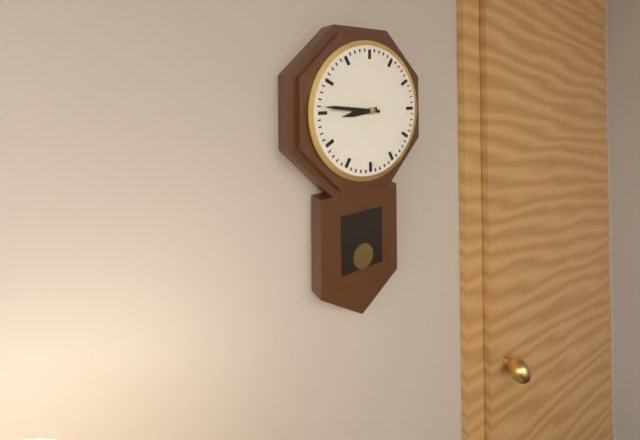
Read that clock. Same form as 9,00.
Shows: 8,46
